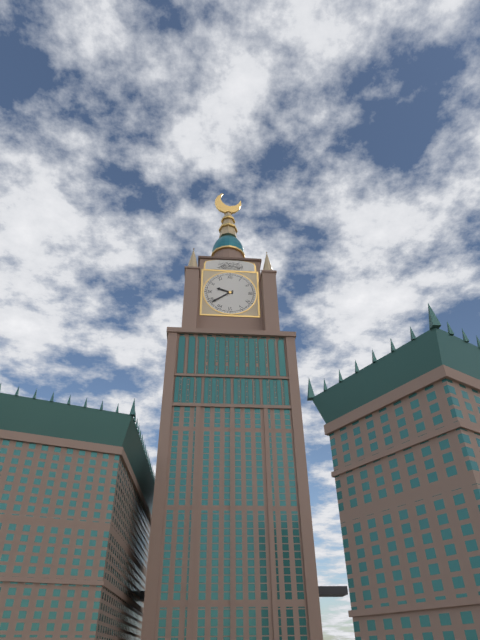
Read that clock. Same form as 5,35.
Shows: 9,39
